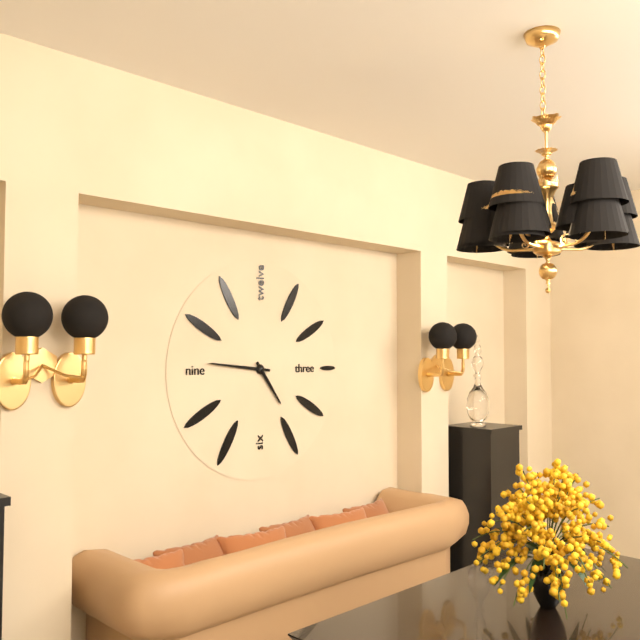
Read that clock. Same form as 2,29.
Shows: 4,46
